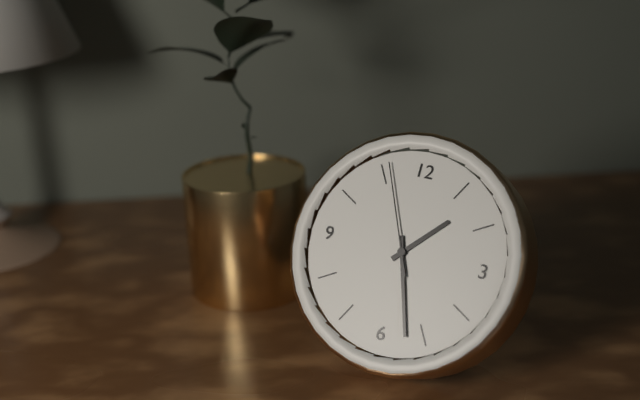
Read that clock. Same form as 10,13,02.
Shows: 1,27,56
